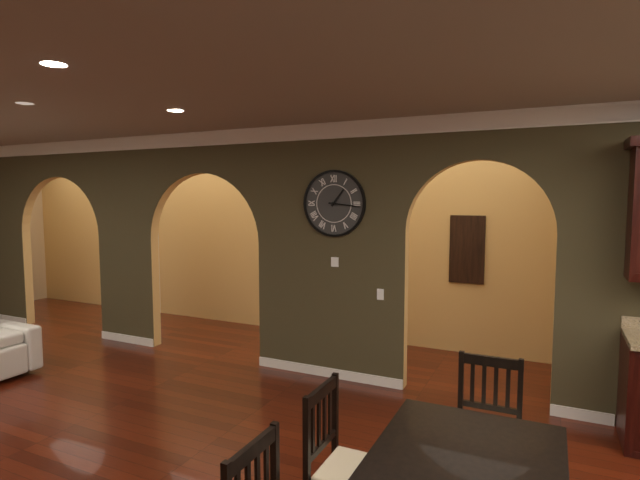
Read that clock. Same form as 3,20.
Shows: 1,16
